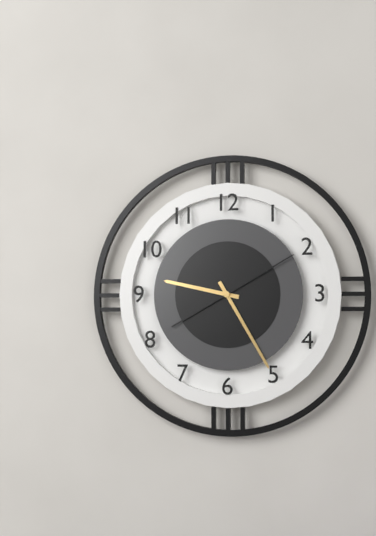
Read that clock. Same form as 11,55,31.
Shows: 9,25,10
